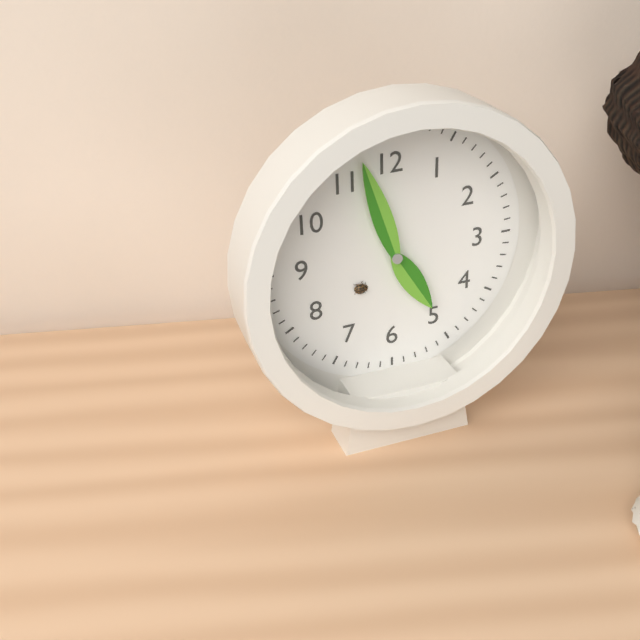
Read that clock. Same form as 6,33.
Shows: 4,57
